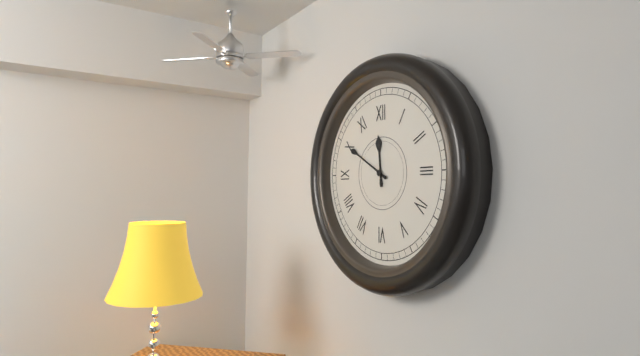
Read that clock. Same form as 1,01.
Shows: 11,50
